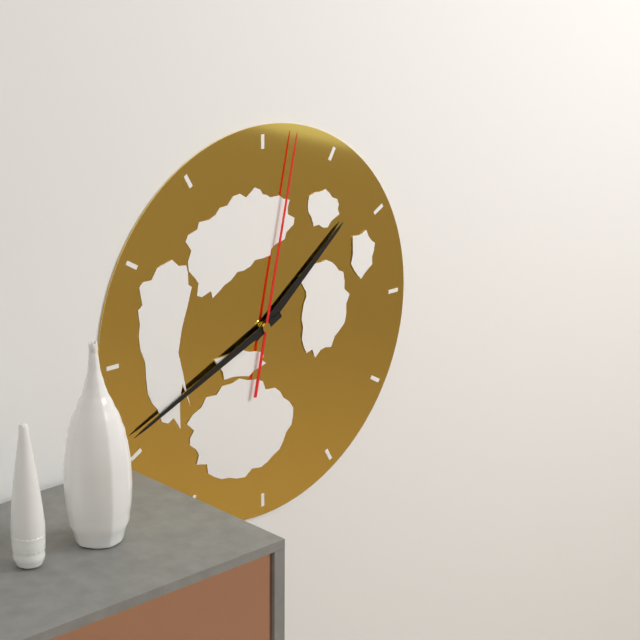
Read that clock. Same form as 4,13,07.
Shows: 1,41,02
